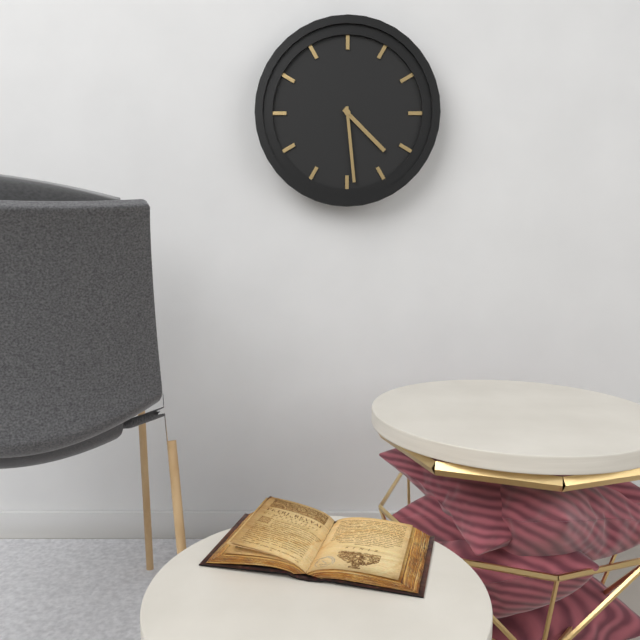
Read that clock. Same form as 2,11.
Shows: 4,29
